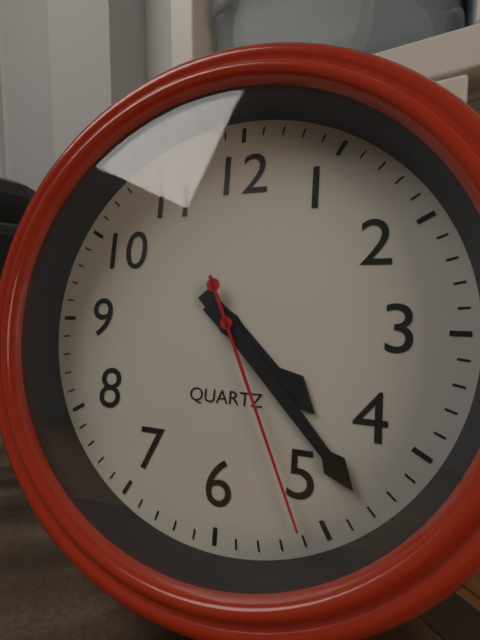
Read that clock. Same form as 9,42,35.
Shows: 4,23,26
